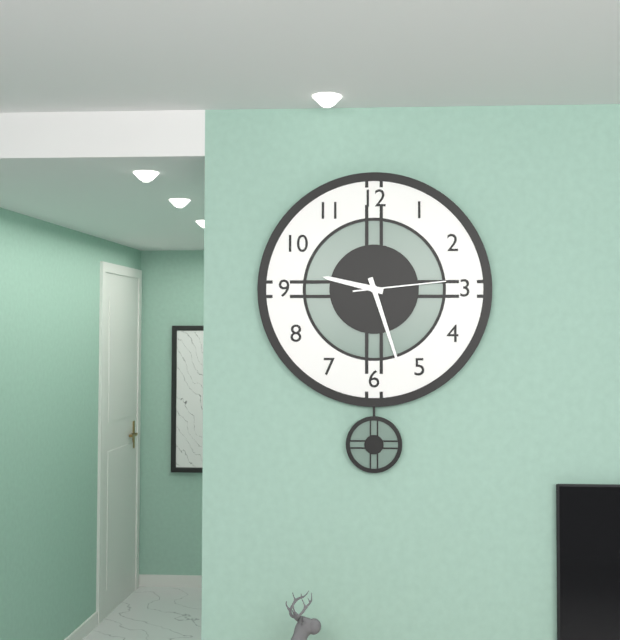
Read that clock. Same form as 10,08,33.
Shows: 9,27,14
